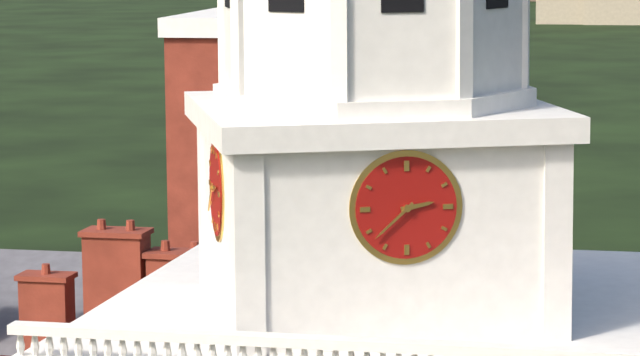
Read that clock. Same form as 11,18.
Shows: 2,38
